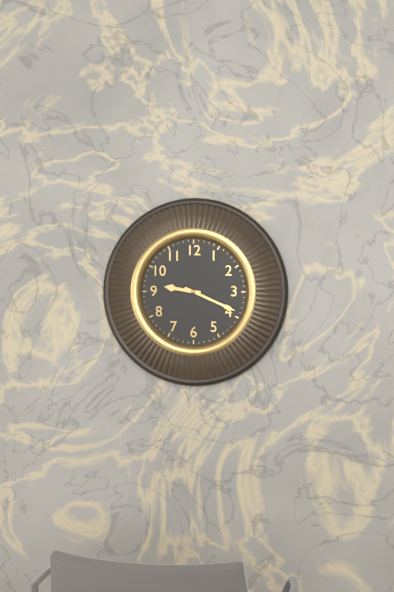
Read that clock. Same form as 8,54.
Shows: 9,19
